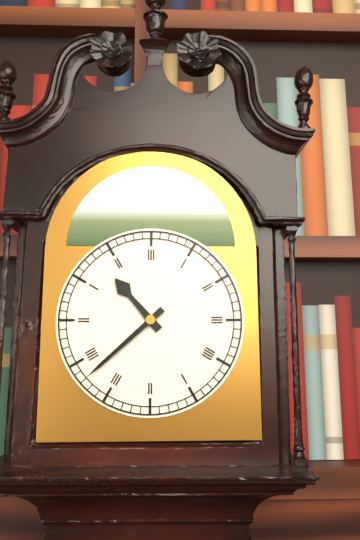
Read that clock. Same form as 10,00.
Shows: 10,38
